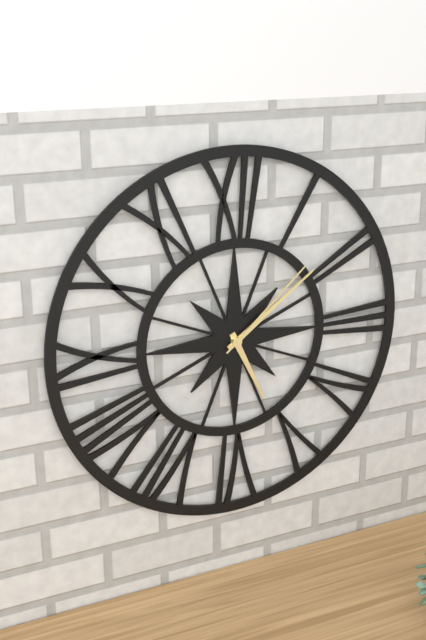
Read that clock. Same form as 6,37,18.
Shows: 5,09,08
